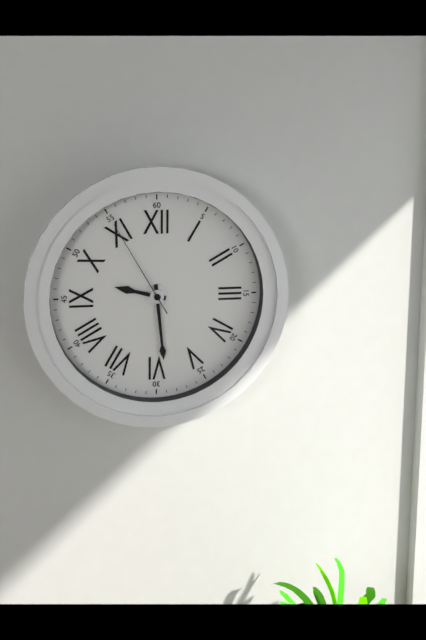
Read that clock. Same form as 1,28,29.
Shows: 9,29,55
